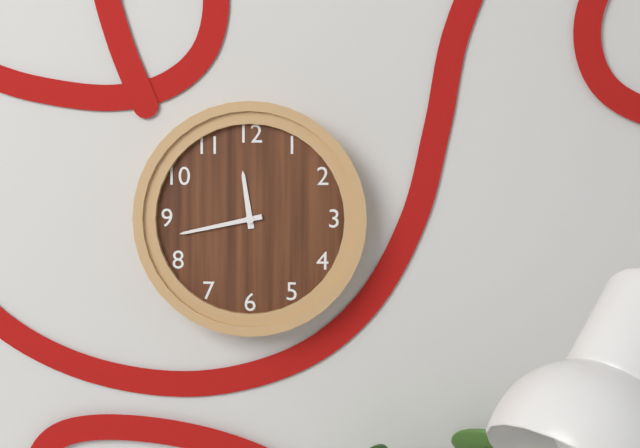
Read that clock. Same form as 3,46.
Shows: 11,43
